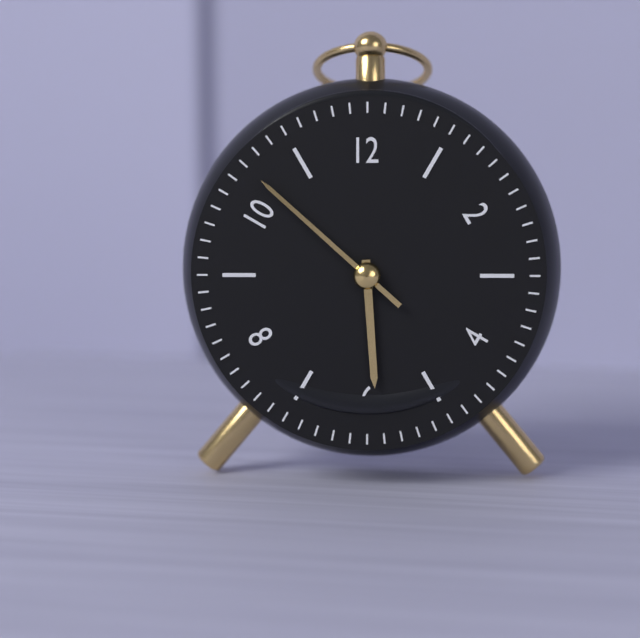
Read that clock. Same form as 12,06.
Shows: 5,52
